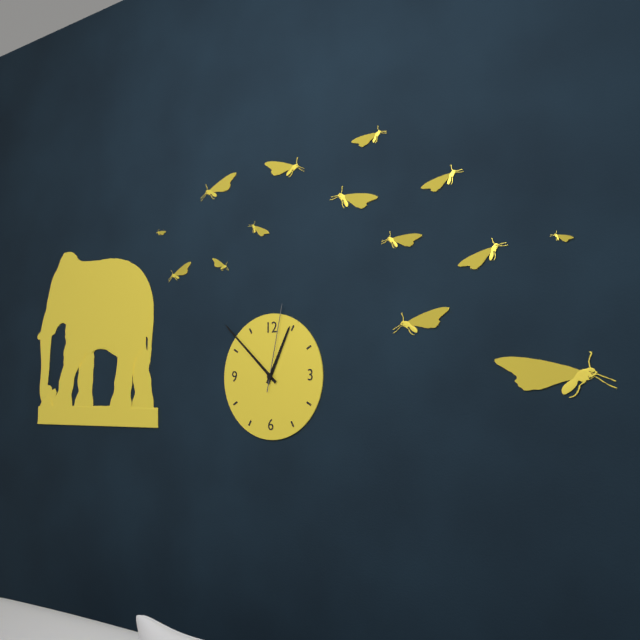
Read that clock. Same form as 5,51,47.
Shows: 12,52,02
